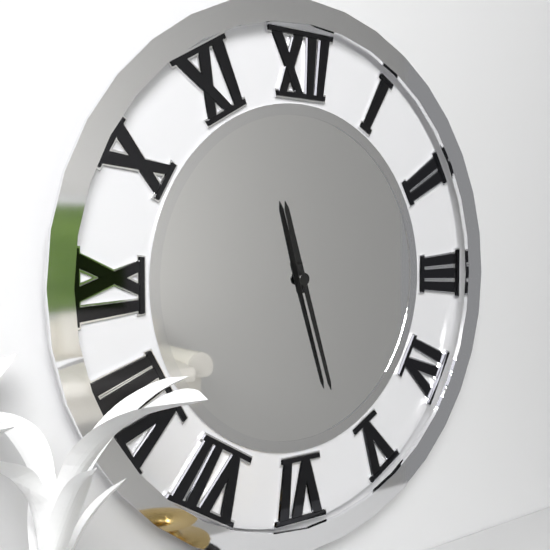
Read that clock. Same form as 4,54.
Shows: 11,27
